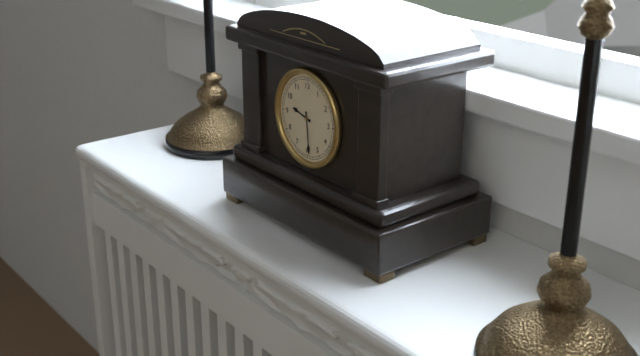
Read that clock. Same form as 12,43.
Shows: 9,29
